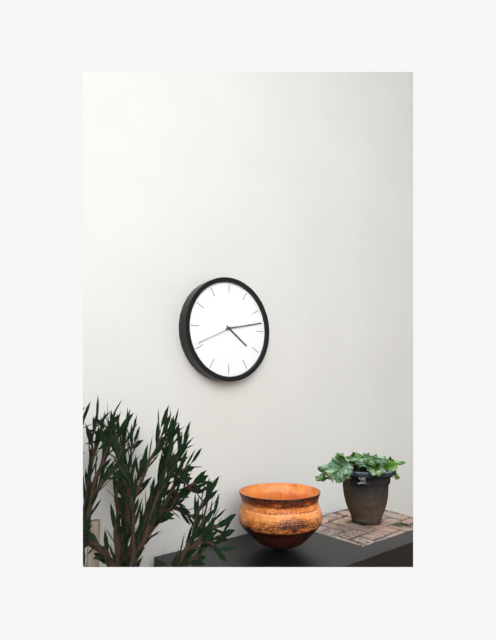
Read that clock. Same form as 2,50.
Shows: 4,13
